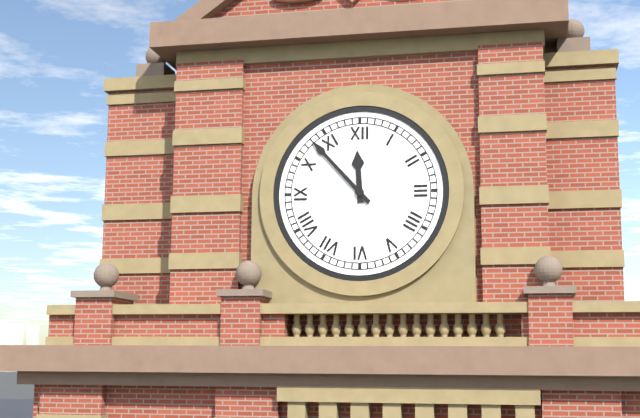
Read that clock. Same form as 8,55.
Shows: 11,53
